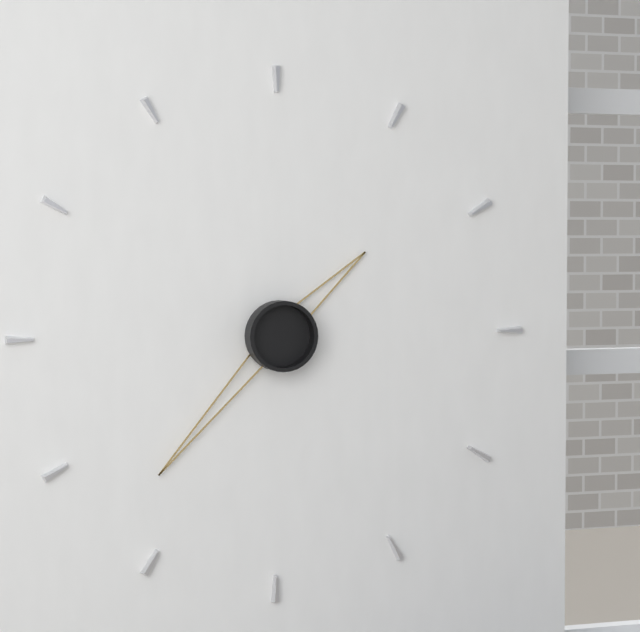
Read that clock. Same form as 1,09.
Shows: 1,37
